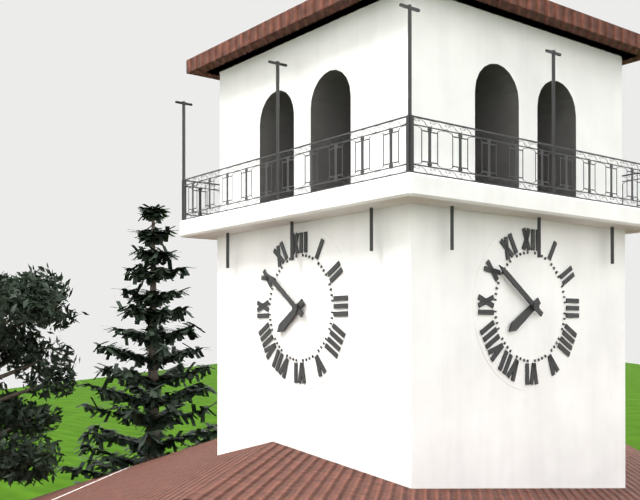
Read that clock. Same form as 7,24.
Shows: 7,51
